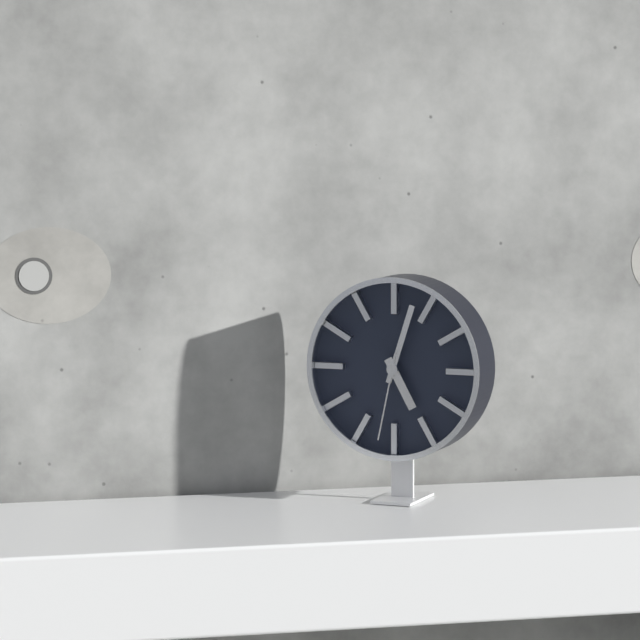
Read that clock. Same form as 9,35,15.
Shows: 5,03,32
